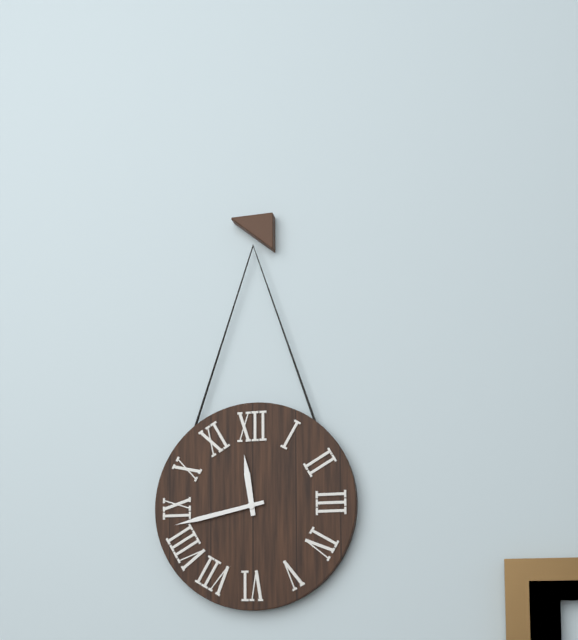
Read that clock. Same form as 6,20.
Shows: 11,43
